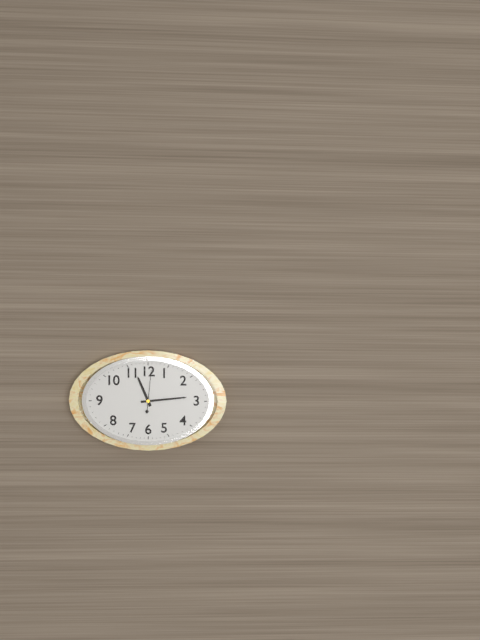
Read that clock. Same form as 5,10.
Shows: 11,14
